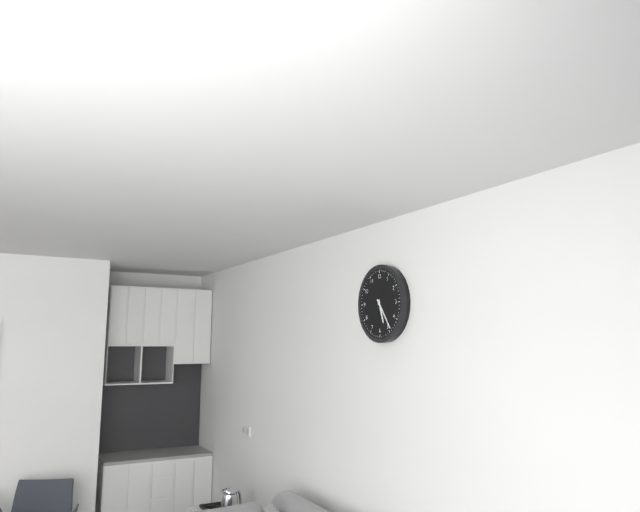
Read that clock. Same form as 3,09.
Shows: 5,24
